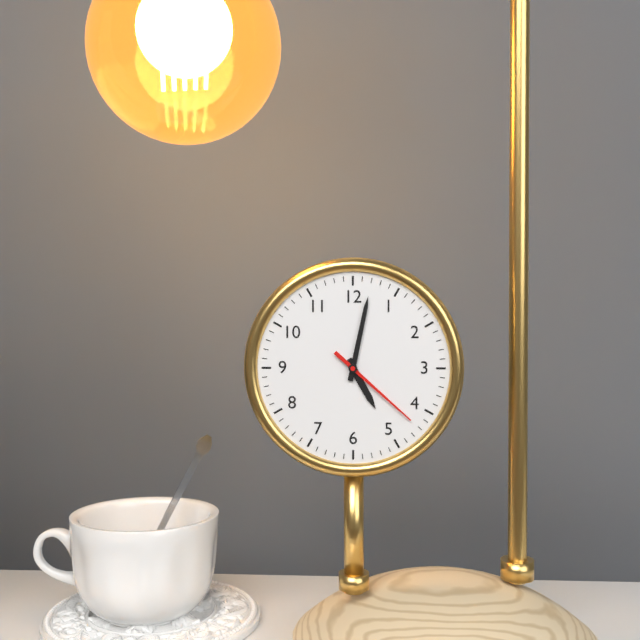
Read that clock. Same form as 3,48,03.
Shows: 5,02,22
